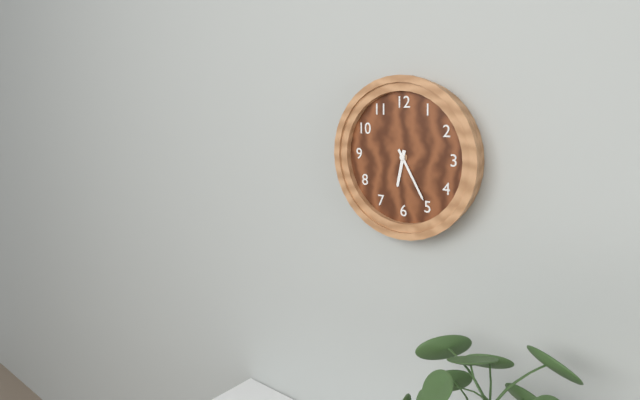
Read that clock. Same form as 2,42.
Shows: 6,25
